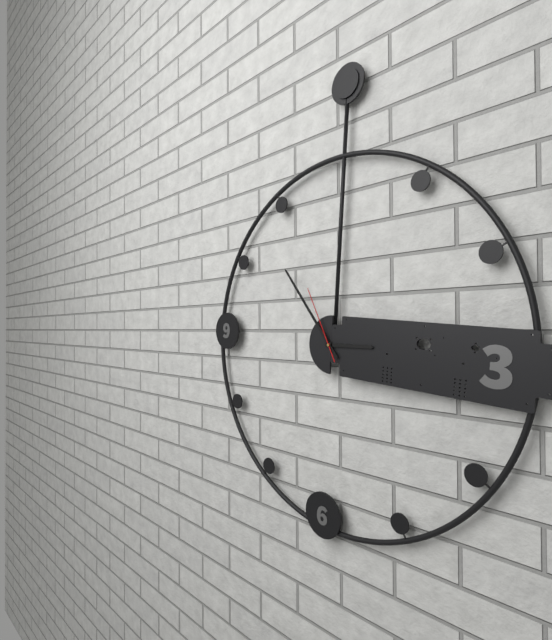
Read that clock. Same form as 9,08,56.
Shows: 2,53,55
